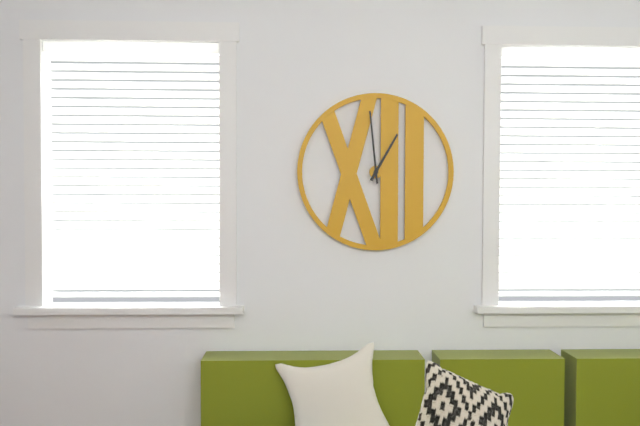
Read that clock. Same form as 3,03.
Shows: 12,59
